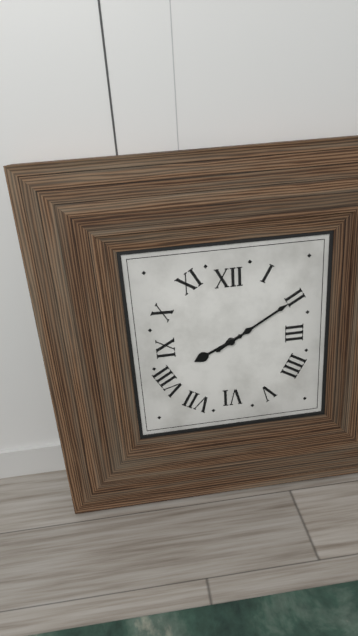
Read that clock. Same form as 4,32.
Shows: 8,10
